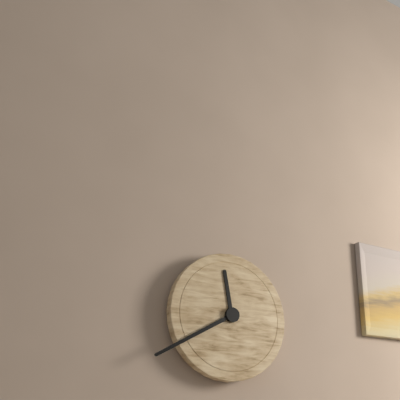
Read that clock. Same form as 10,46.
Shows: 11,40
